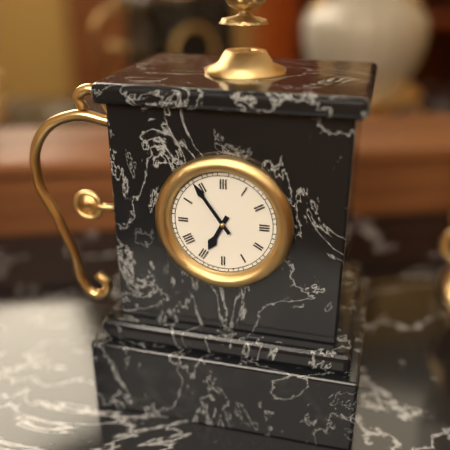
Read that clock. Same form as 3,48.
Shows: 6,54
